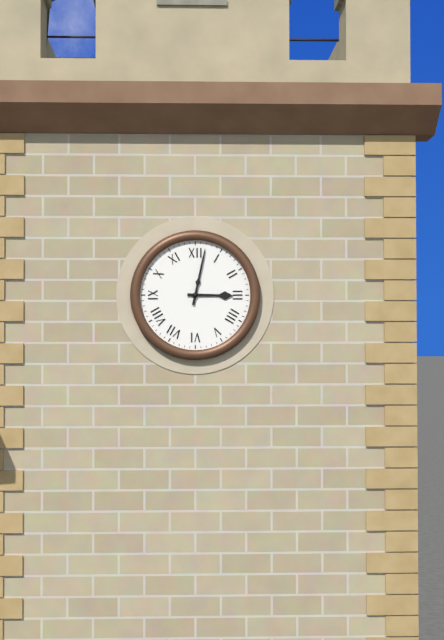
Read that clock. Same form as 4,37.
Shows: 3,02
